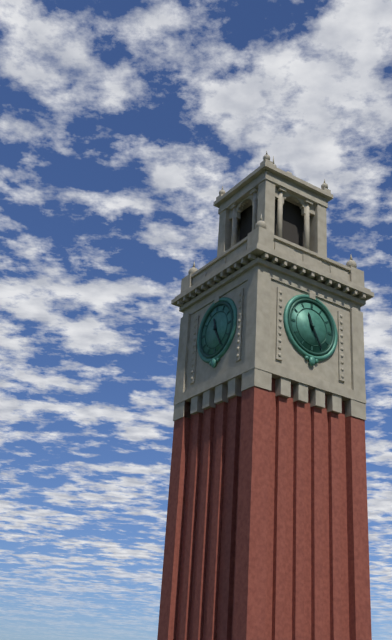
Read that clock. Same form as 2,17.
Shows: 11,25
